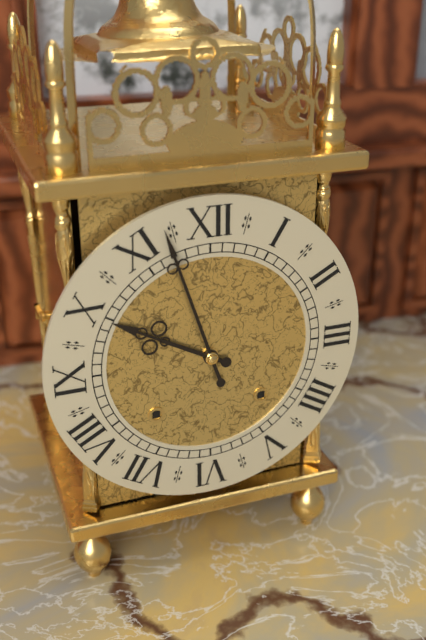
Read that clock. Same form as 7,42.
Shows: 9,57
